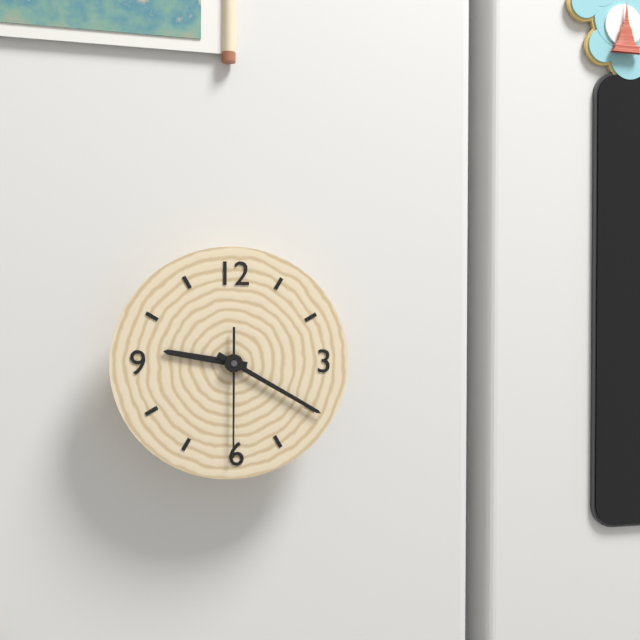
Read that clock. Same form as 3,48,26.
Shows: 9,20,30
